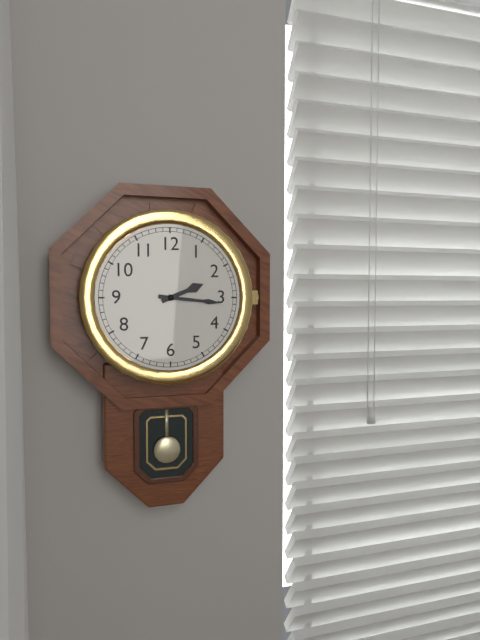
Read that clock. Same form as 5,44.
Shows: 2,16
